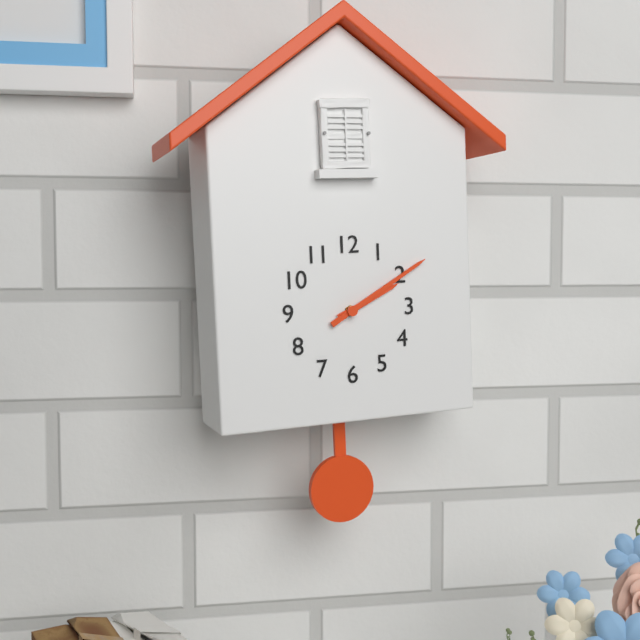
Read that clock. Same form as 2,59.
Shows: 2,10
